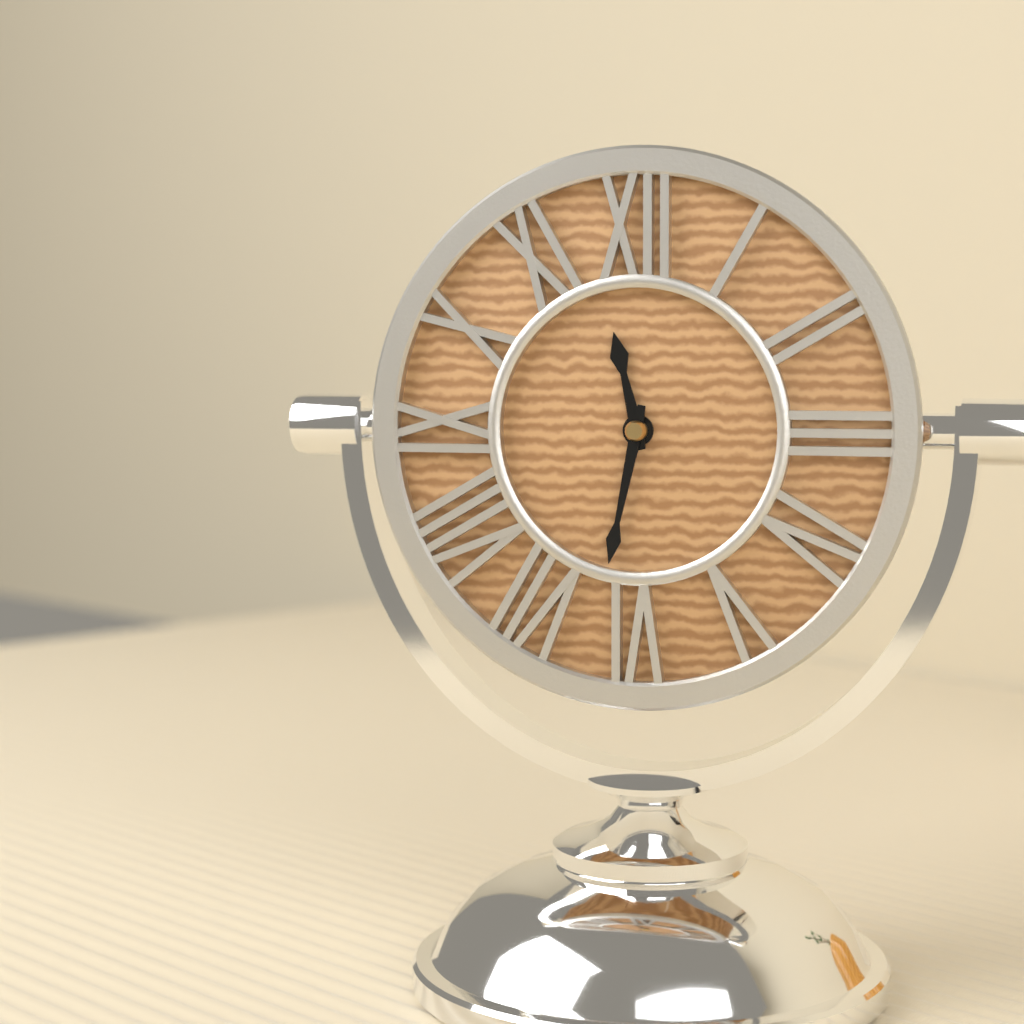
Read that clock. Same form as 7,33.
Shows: 11,32
